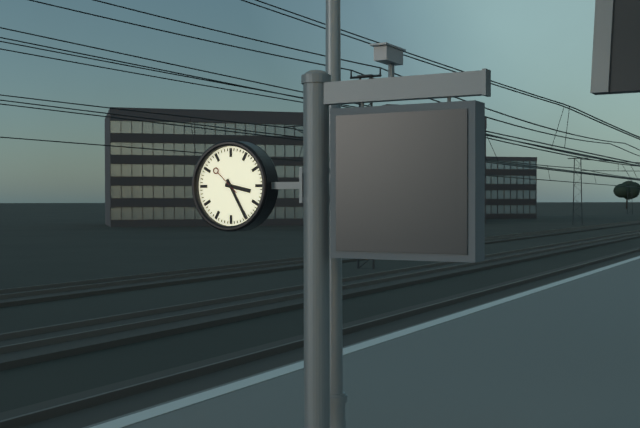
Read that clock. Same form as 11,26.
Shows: 3,25
